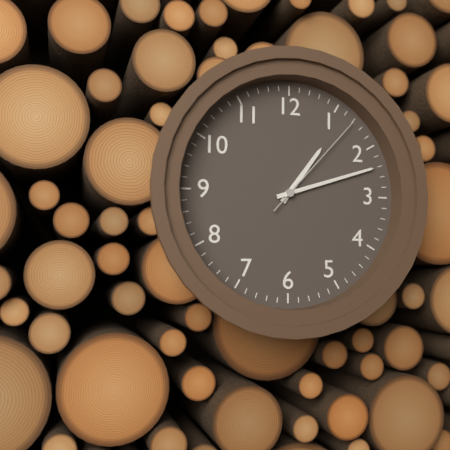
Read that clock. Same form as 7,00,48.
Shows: 1,12,07
